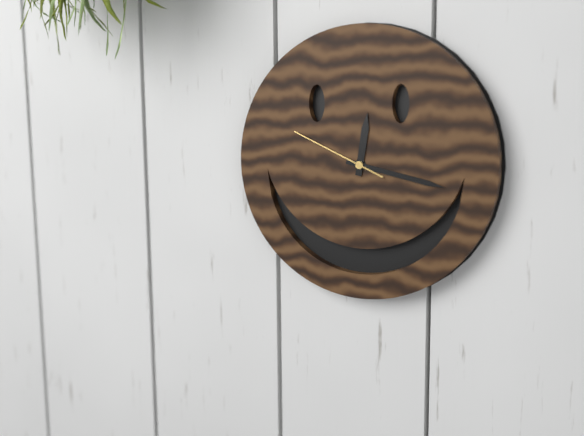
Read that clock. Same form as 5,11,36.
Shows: 12,17,49
